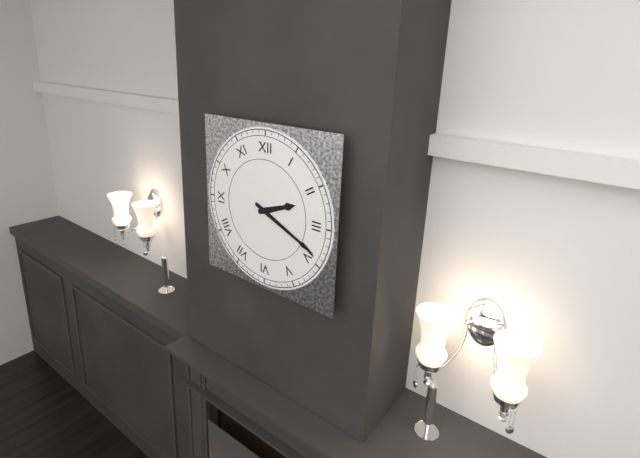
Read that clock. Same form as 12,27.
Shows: 2,19
